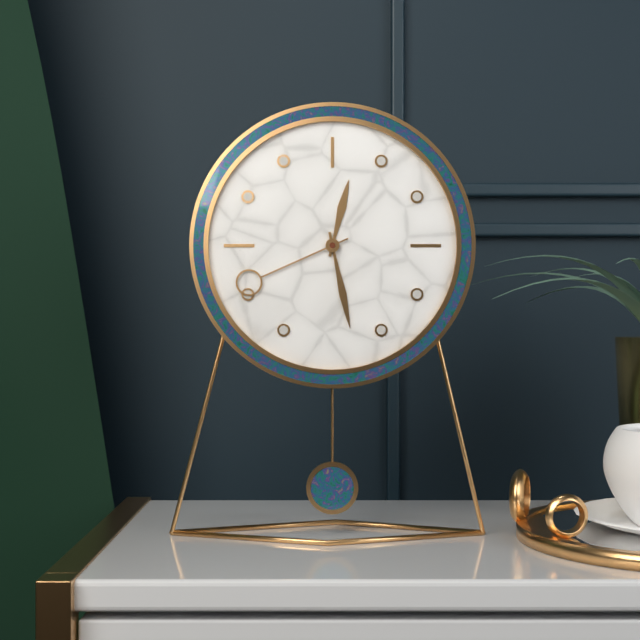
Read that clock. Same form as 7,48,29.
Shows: 12,28,41
